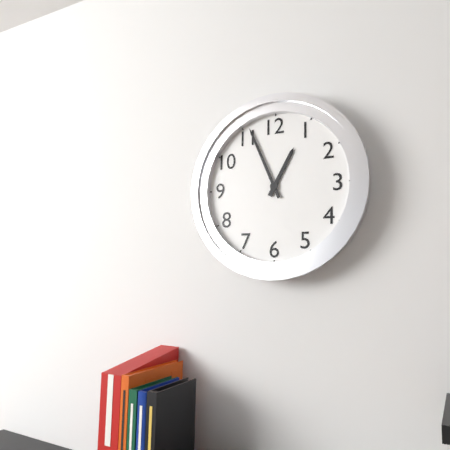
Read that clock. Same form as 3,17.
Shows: 12,56
